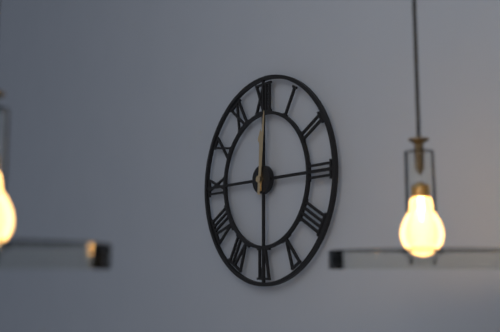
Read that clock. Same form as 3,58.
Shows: 12,01
